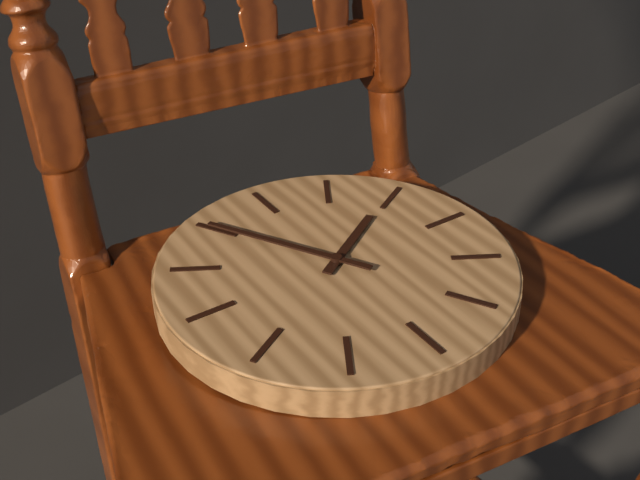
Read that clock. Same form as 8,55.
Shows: 1,55
